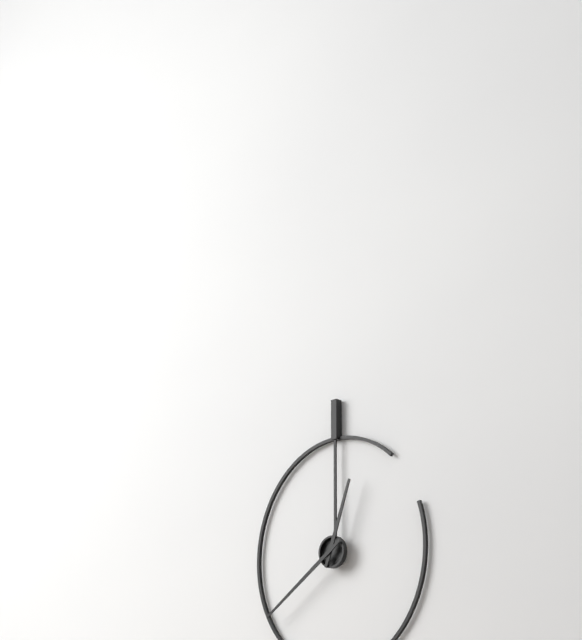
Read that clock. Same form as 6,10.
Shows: 12,39
